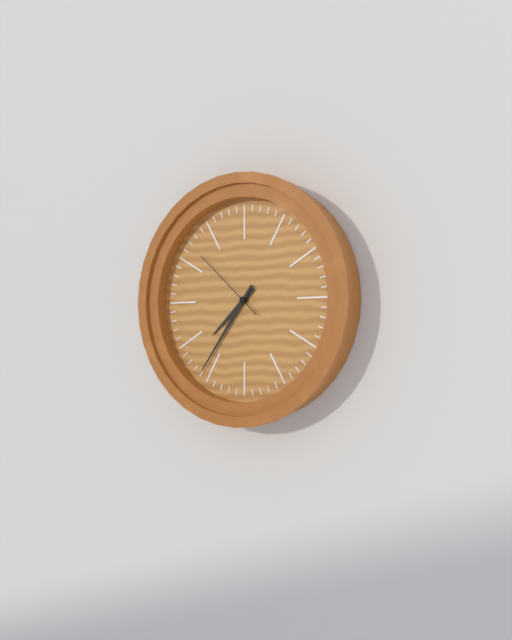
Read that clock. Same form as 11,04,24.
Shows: 7,36,52
